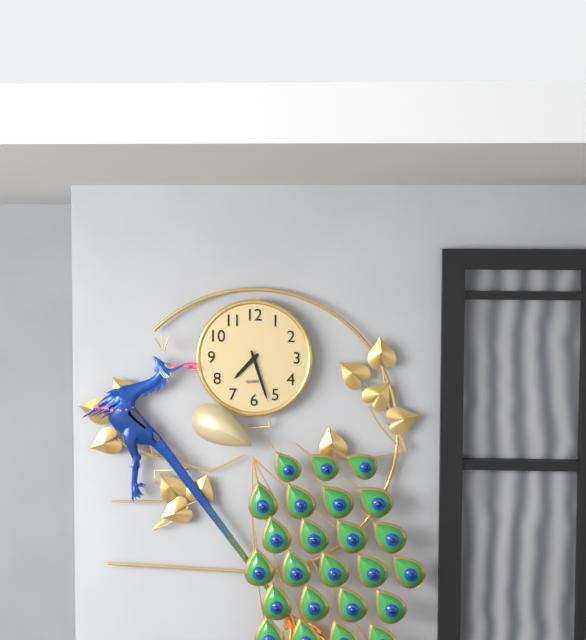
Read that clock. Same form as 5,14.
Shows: 7,27
